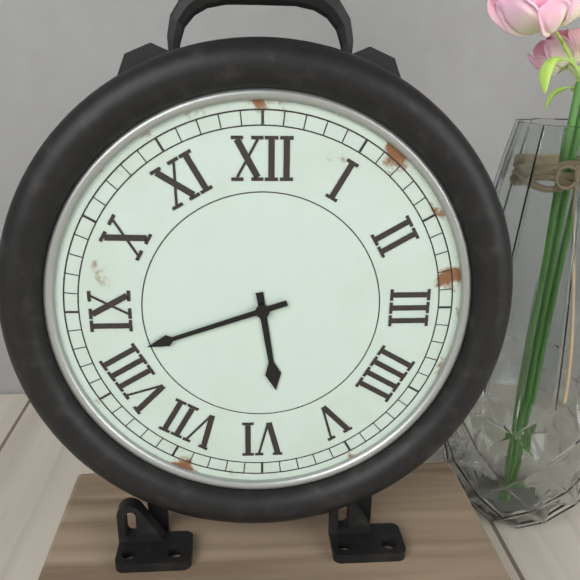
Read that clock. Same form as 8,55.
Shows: 5,42
